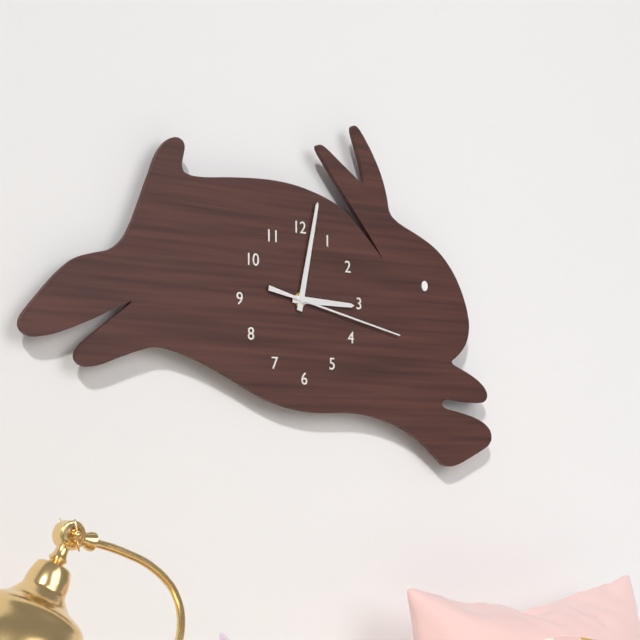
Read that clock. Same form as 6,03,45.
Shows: 3,02,17
